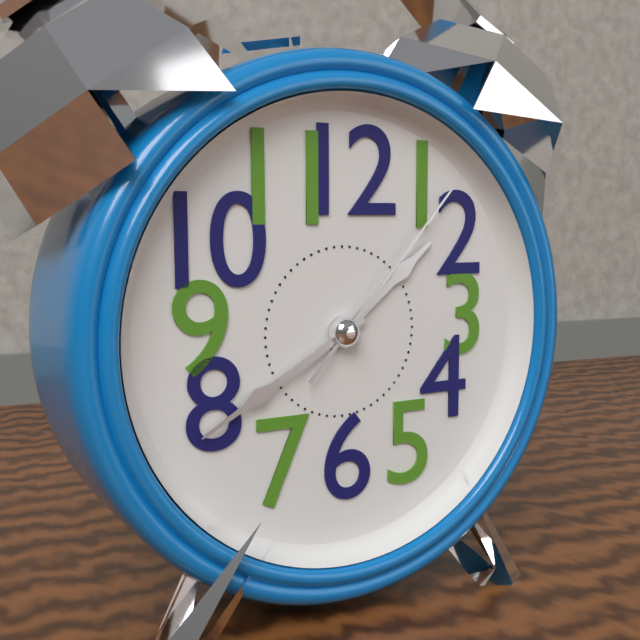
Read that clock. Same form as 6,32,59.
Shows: 1,40,07
